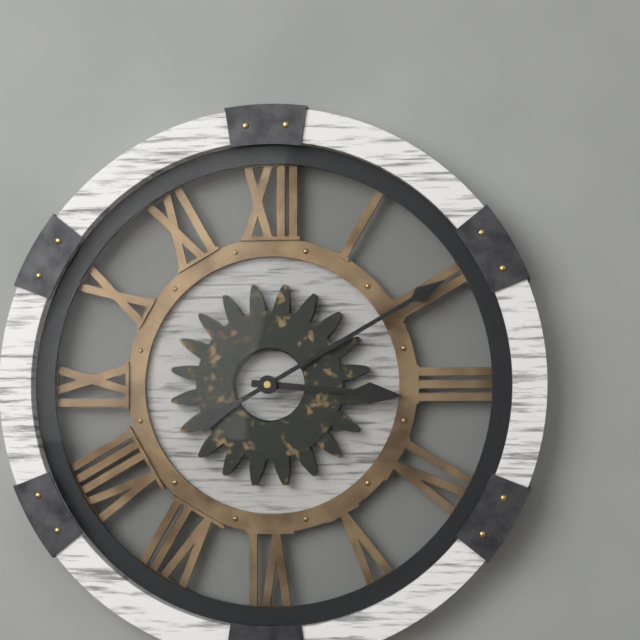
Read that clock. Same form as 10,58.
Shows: 3,10
